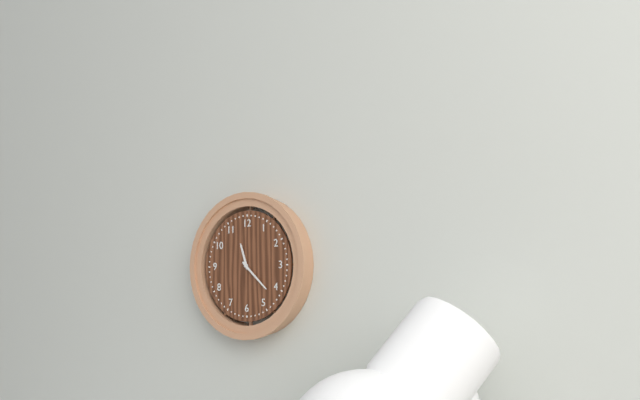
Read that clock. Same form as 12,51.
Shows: 11,22
